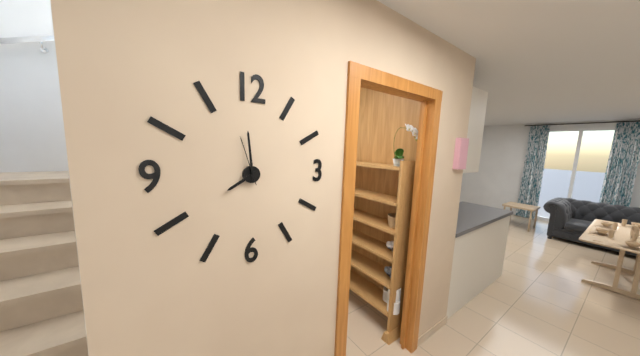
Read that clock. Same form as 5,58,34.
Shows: 7,59,57
